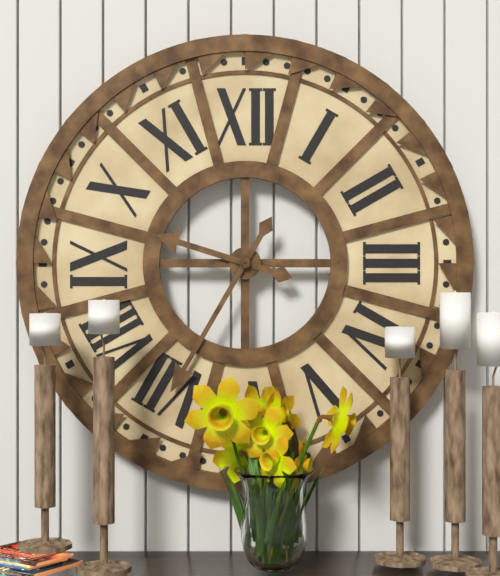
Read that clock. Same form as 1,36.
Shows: 9,35
